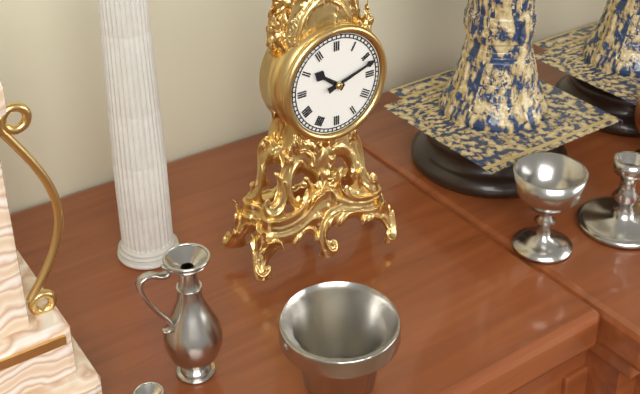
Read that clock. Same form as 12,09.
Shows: 10,12
